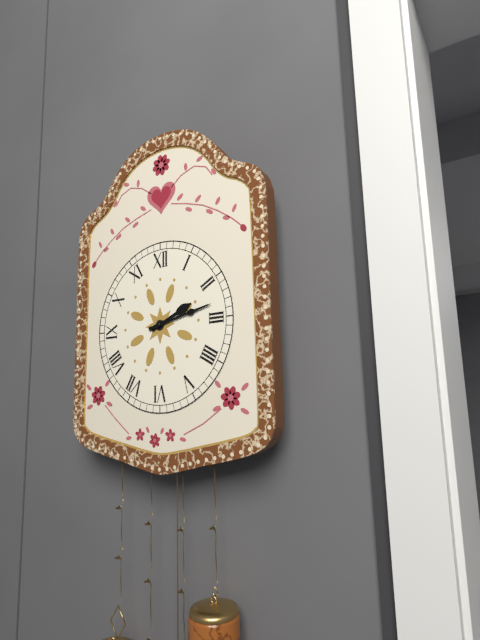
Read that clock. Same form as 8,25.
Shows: 2,13
